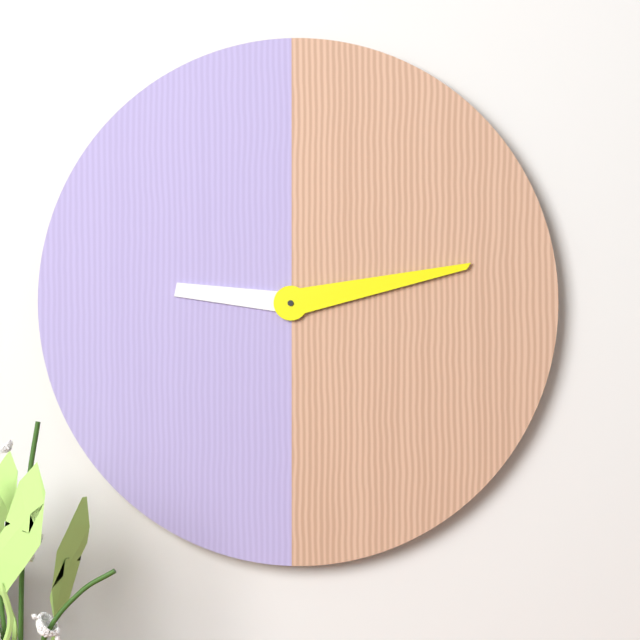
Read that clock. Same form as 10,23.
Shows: 9,13
